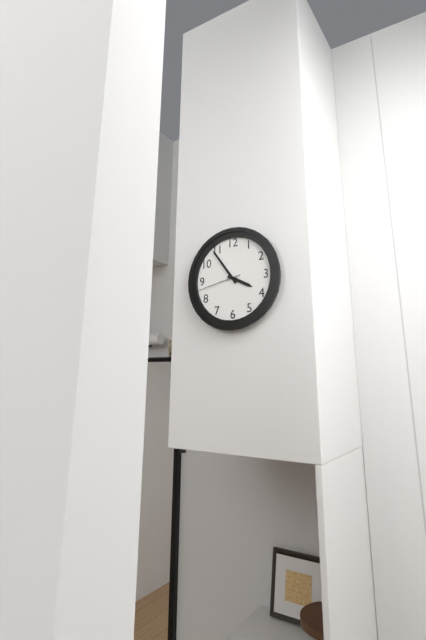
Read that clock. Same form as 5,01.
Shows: 3,54
